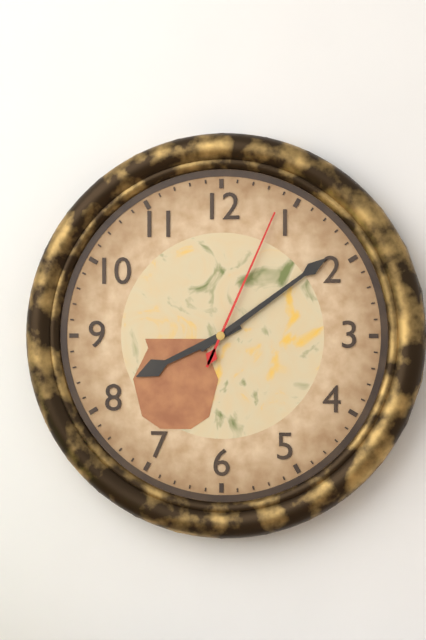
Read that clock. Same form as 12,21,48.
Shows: 8,09,04
